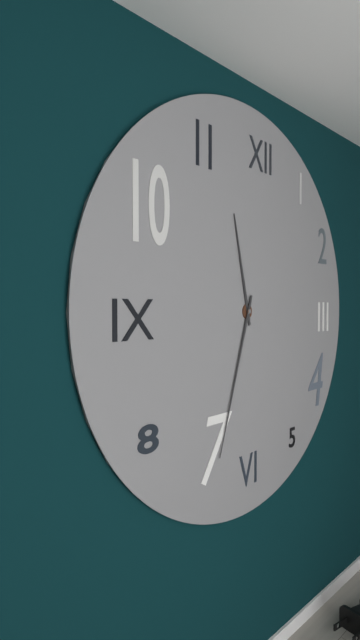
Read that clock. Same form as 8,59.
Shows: 11,33
